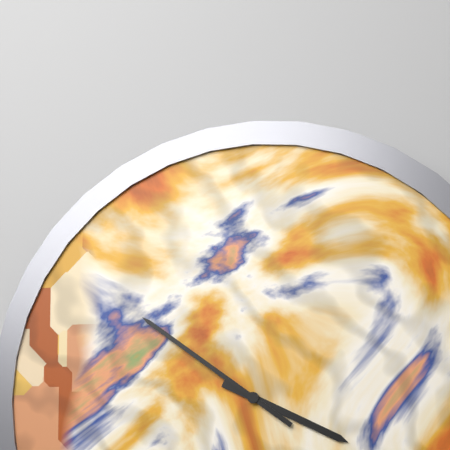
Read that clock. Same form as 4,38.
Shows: 3,51
